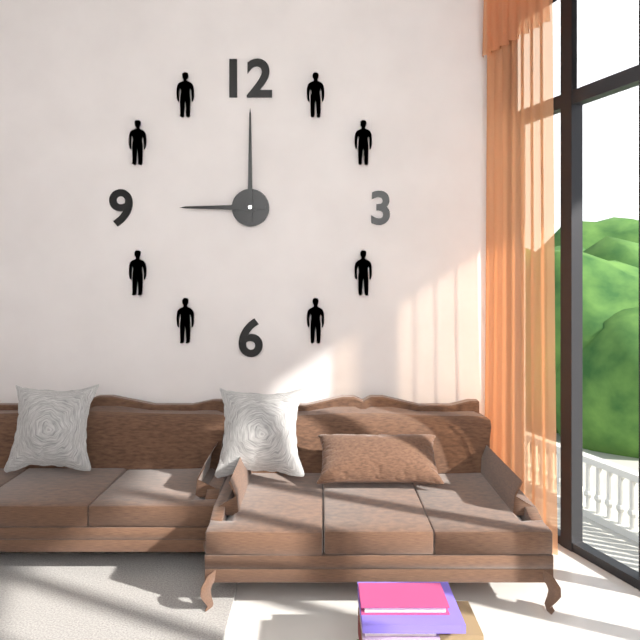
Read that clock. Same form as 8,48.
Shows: 9,00
